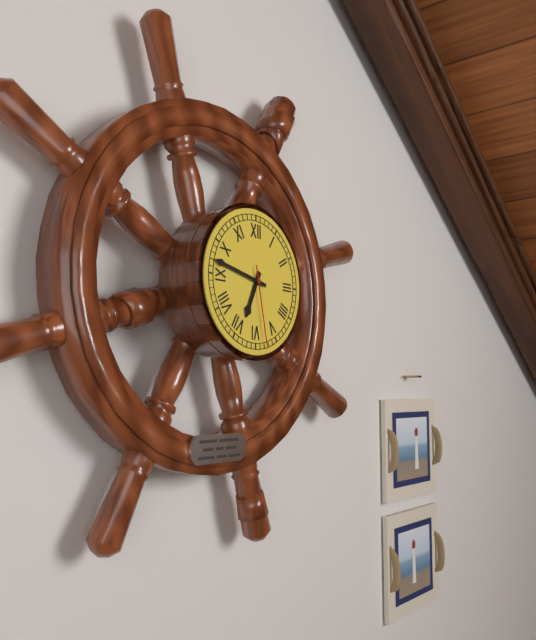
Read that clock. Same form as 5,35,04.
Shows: 6,47,28
